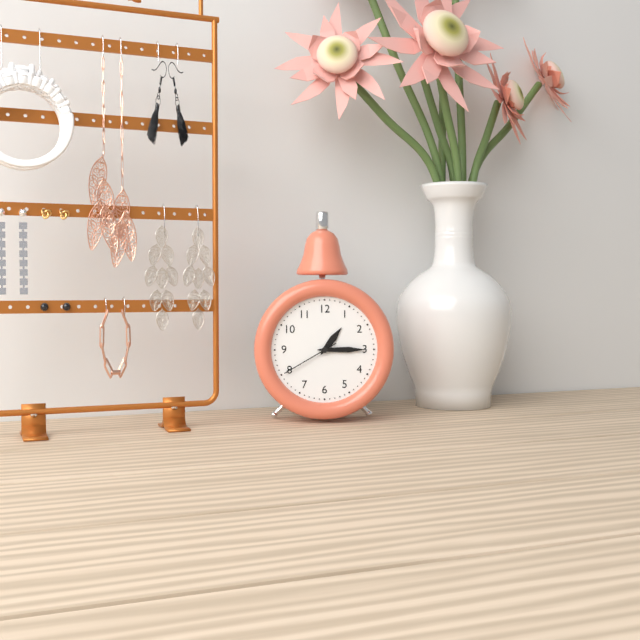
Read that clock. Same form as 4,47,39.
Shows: 1,15,40
